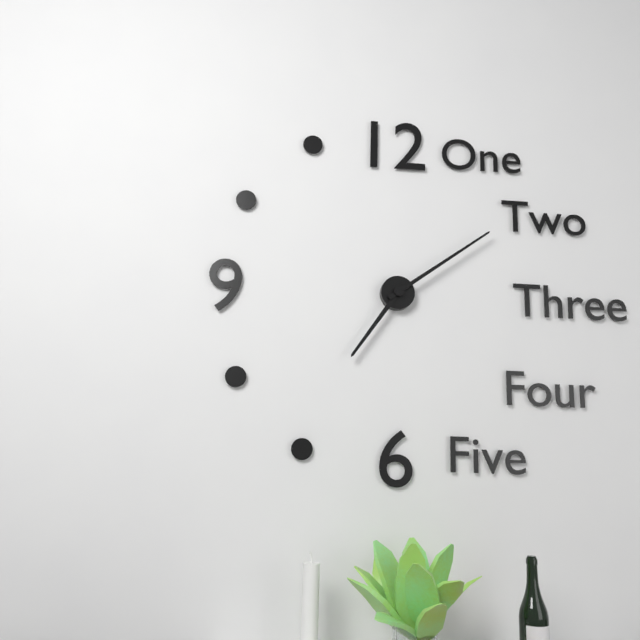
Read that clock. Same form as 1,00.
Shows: 7,09
